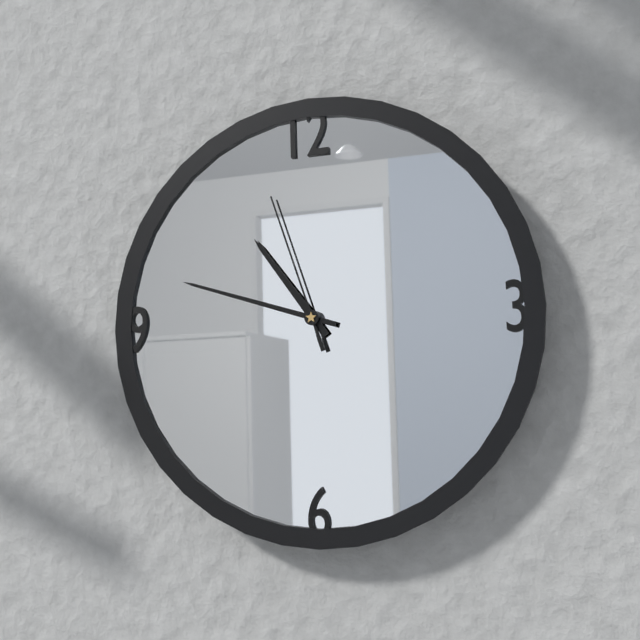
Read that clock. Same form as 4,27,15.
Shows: 10,48,57
